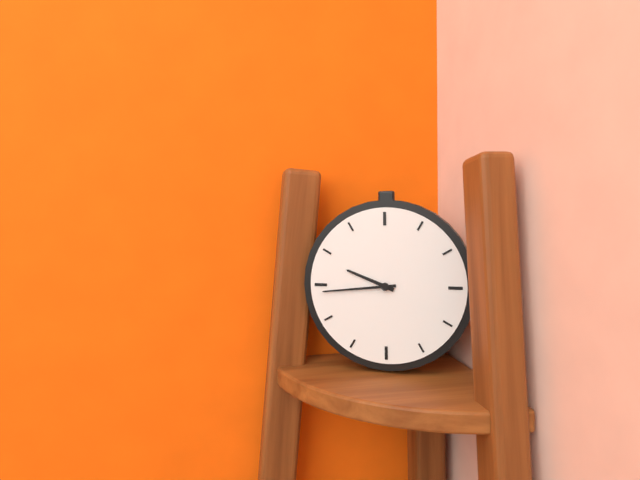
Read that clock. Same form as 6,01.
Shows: 9,44
